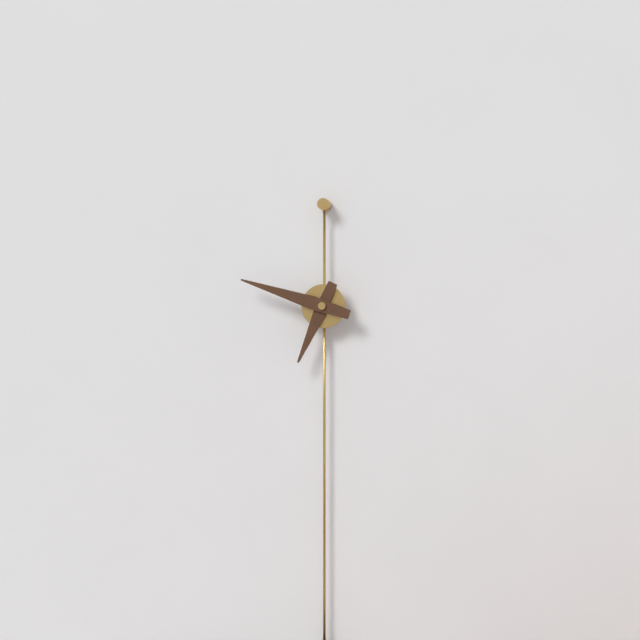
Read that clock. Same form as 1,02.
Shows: 6,48
